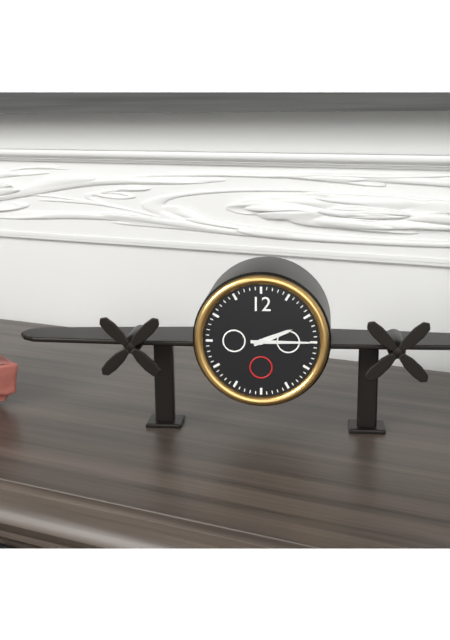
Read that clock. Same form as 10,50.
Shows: 2,15
